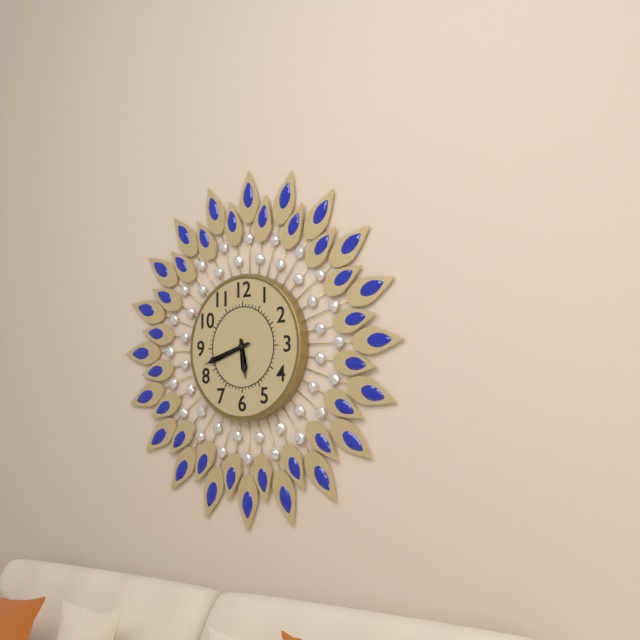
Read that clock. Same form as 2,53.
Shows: 5,42
